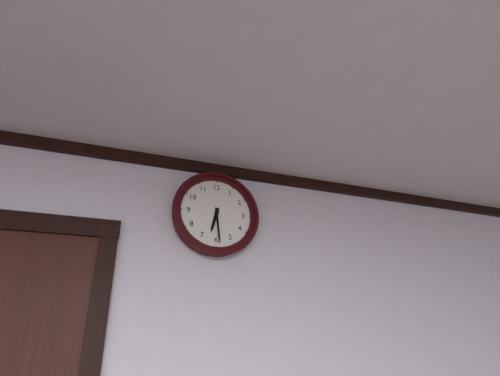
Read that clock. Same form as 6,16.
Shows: 6,29
